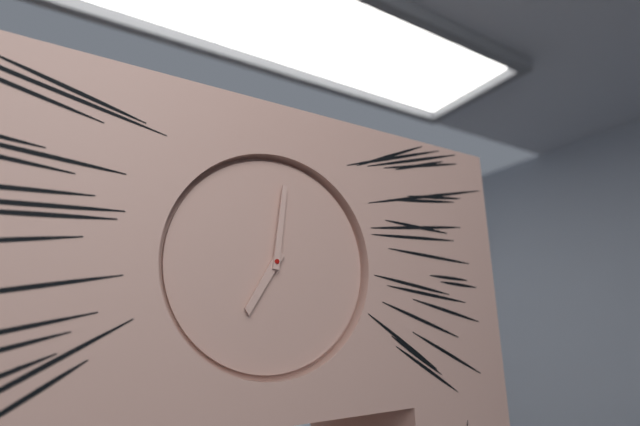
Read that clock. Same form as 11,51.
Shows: 7,01
